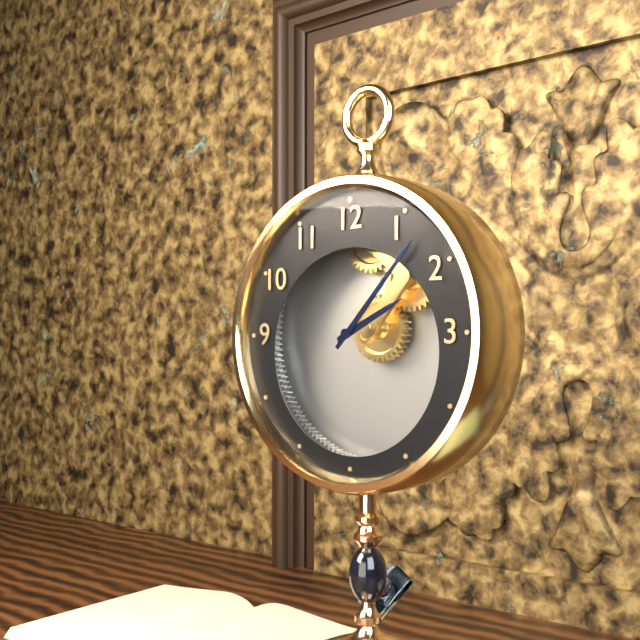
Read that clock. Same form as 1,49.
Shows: 2,07
